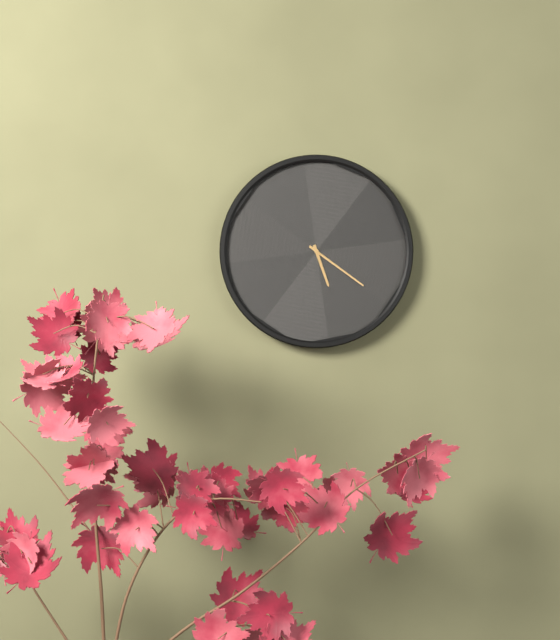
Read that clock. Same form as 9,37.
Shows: 5,21
